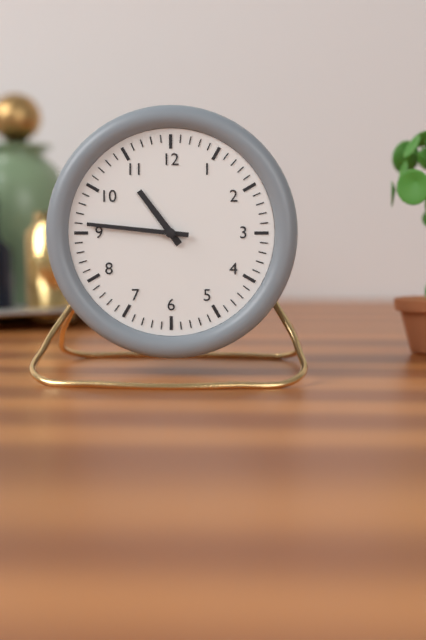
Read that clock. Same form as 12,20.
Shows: 10,46
